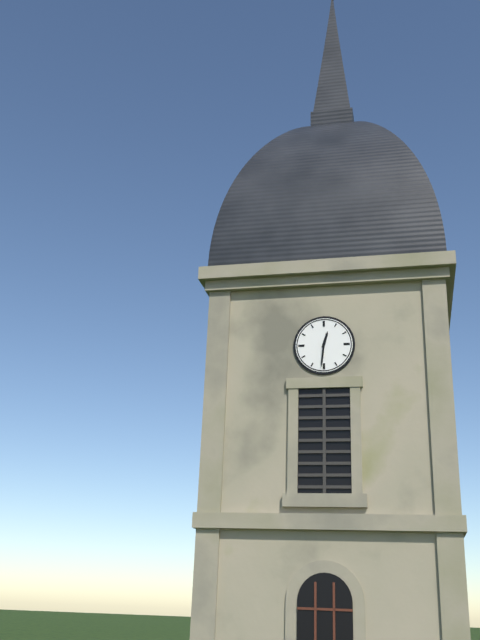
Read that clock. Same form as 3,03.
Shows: 12,31
